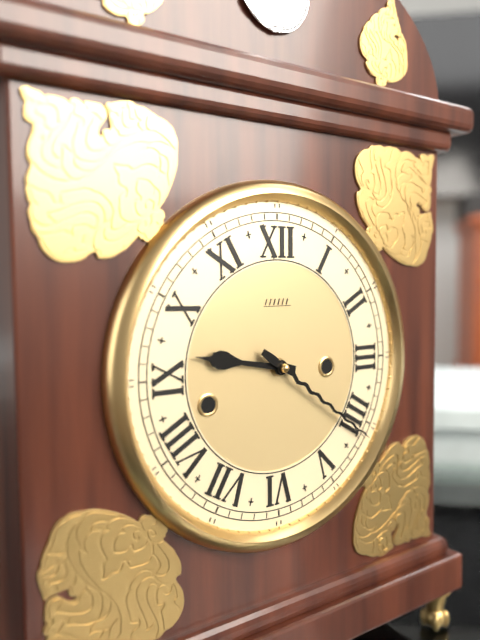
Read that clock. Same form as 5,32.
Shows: 9,21
